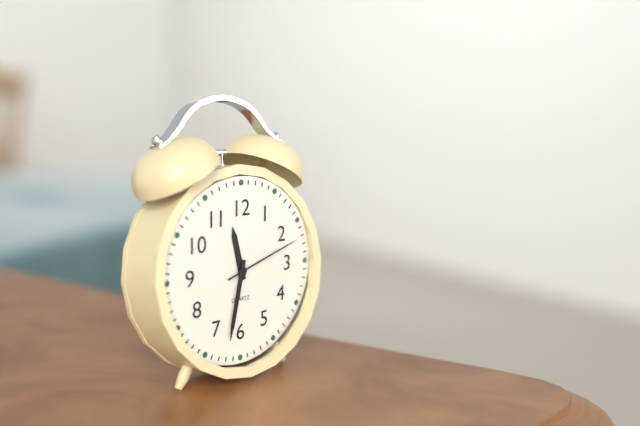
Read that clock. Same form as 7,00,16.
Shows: 11,32,12
